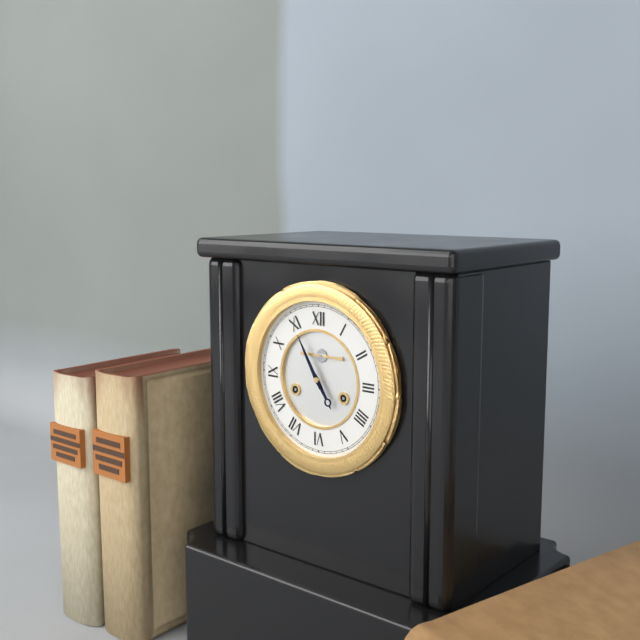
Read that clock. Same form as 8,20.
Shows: 4,55
